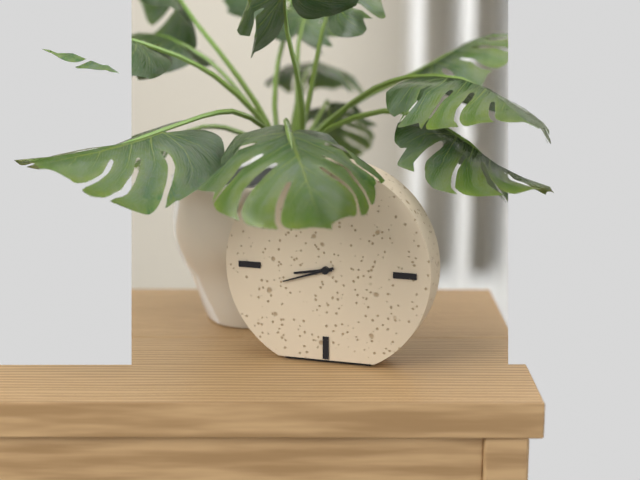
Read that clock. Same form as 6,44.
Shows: 8,42
